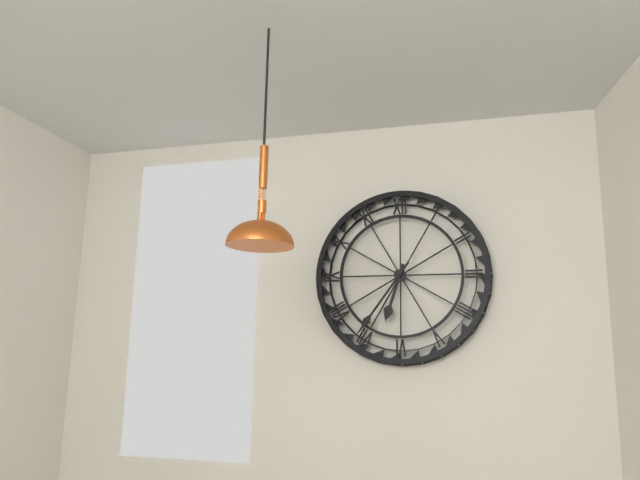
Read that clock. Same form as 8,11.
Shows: 6,36
